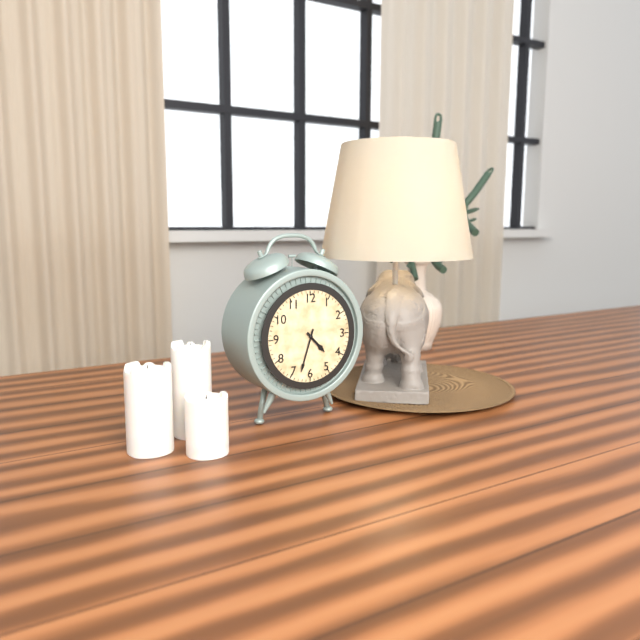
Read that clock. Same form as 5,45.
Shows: 4,33
